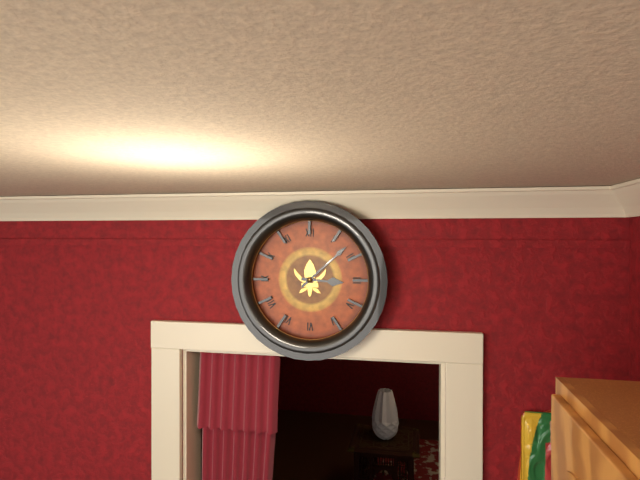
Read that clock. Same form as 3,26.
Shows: 3,08
